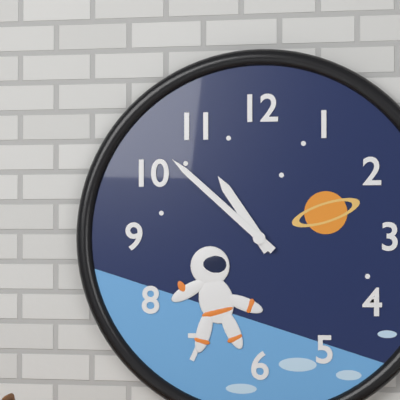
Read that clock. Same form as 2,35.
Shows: 10,52
